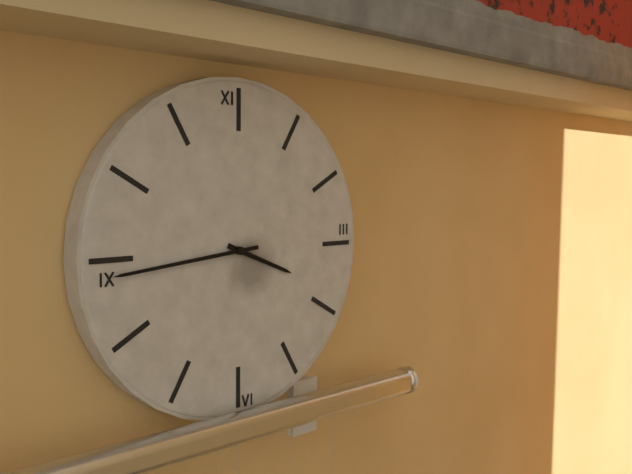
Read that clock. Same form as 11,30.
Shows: 3,44
